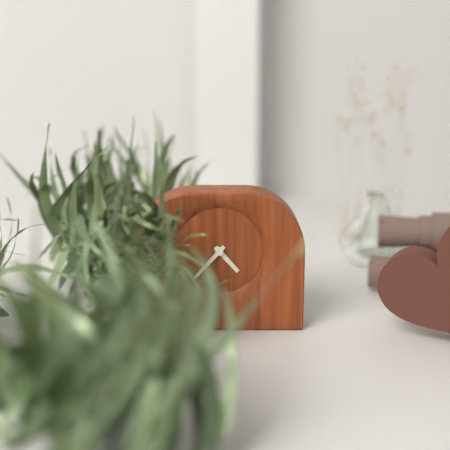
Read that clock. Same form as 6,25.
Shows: 4,37
